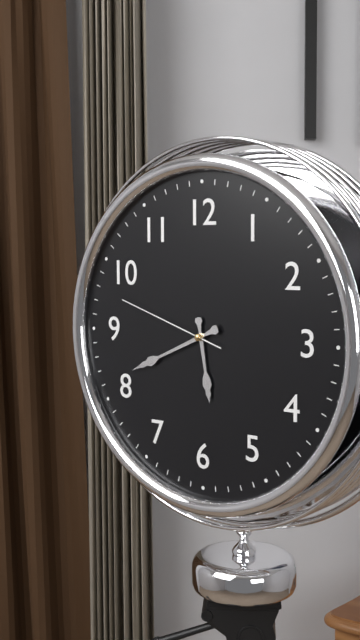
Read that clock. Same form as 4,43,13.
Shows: 5,41,48
